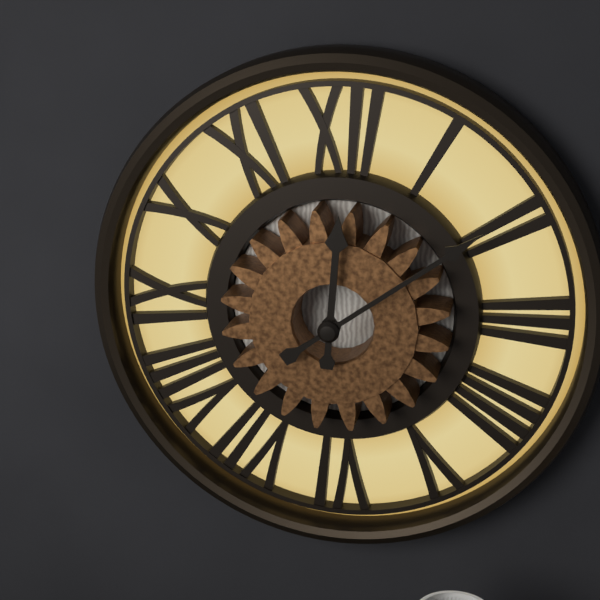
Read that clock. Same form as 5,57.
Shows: 12,09
